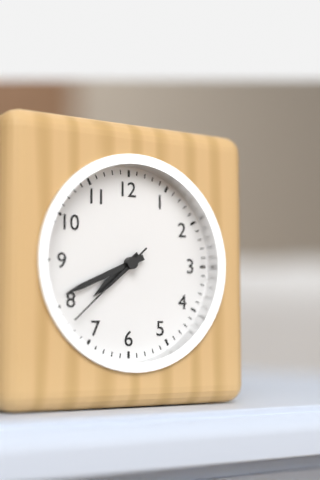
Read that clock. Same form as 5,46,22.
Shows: 7,41,38
